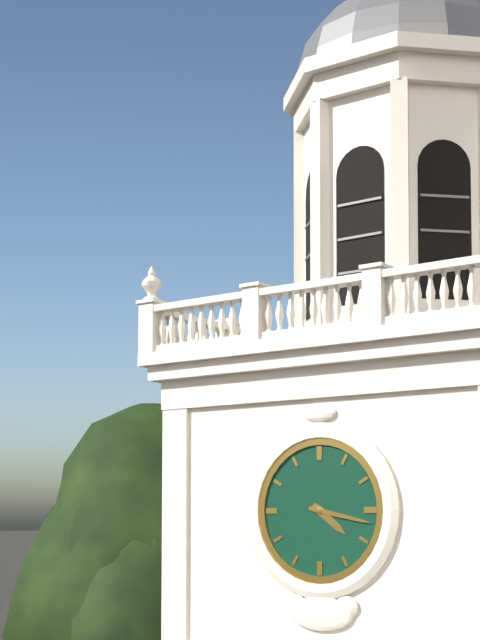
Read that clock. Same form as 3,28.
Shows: 4,17
